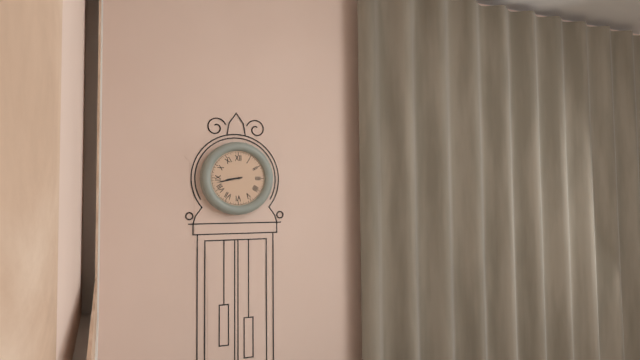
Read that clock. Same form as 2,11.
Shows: 8,43
